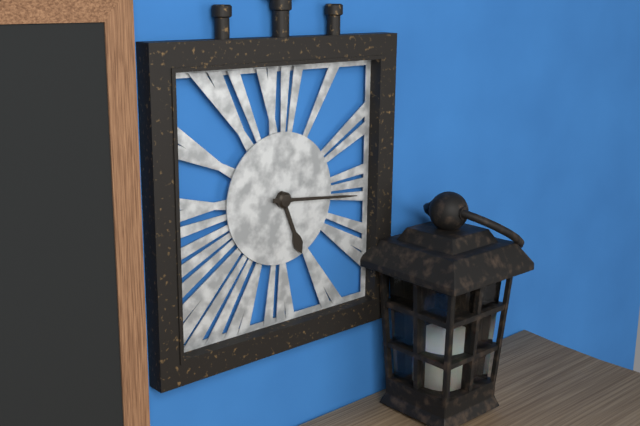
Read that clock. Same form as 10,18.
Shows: 5,16
